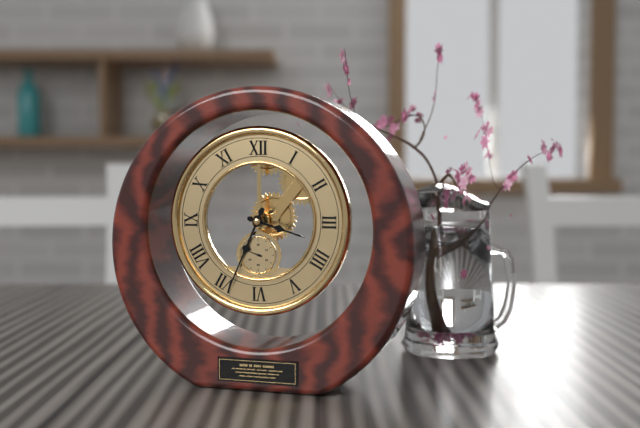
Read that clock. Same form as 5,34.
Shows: 3,34
